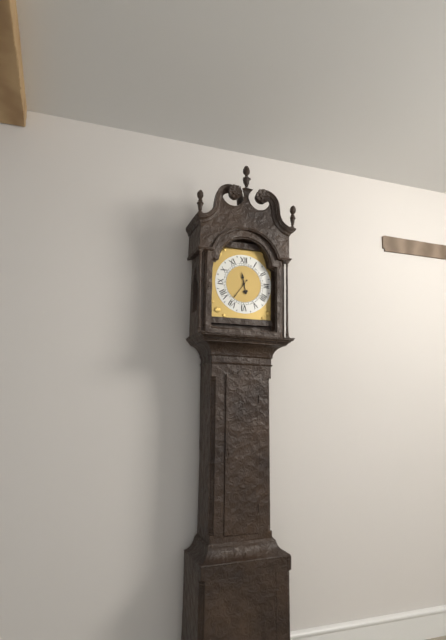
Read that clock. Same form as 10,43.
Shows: 11,36
